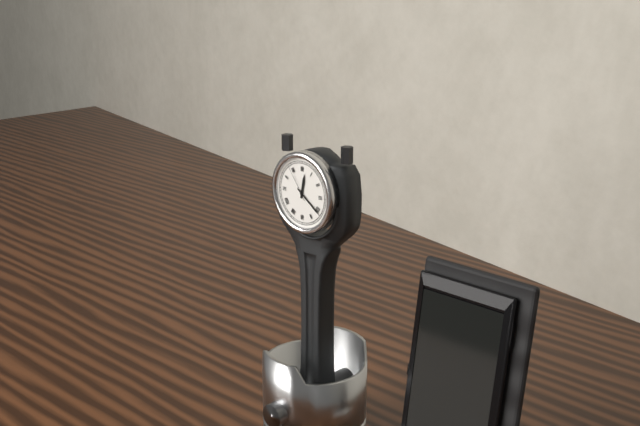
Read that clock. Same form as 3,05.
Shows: 12,21
